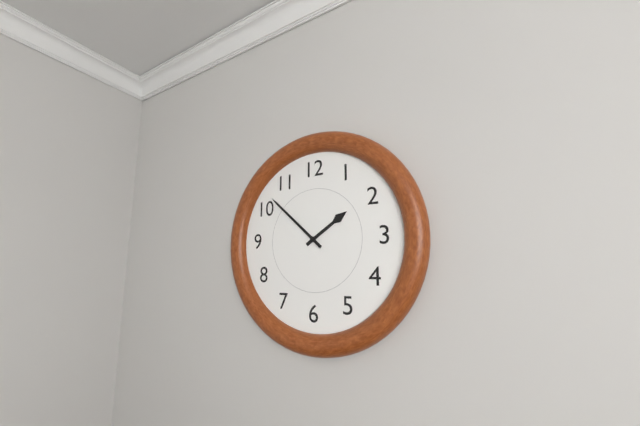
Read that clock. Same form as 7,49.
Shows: 1,52
